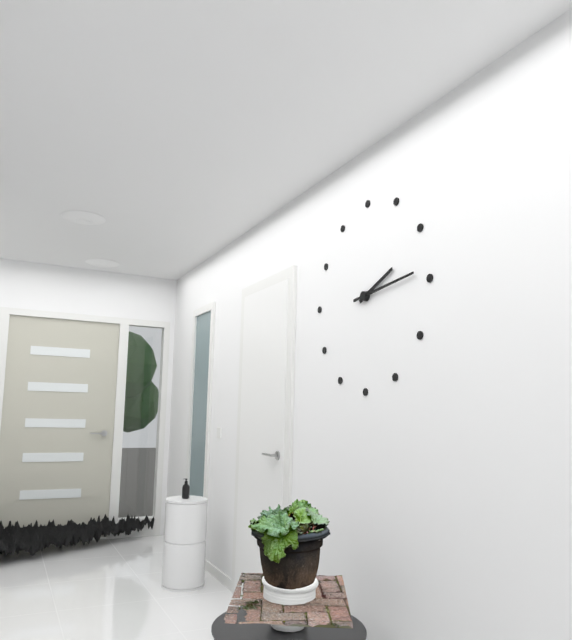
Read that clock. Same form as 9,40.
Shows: 2,14
